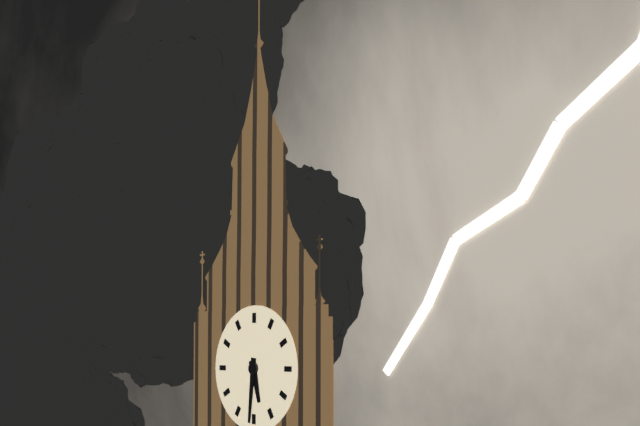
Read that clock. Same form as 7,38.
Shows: 5,31
